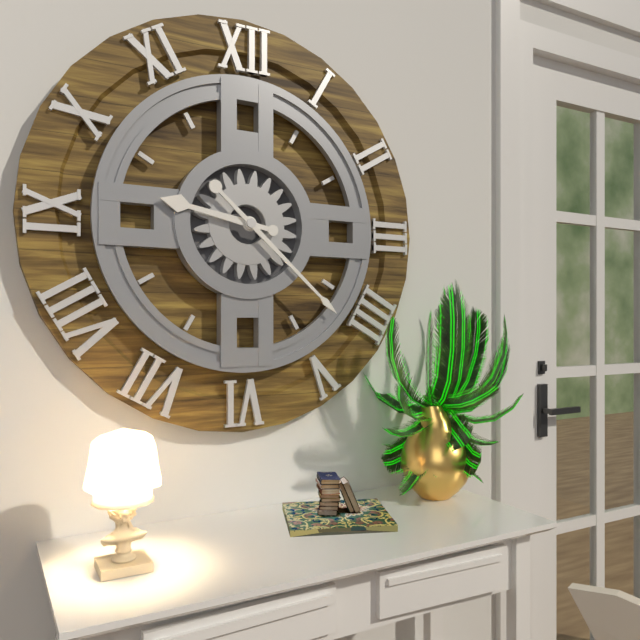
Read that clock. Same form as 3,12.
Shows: 9,22
